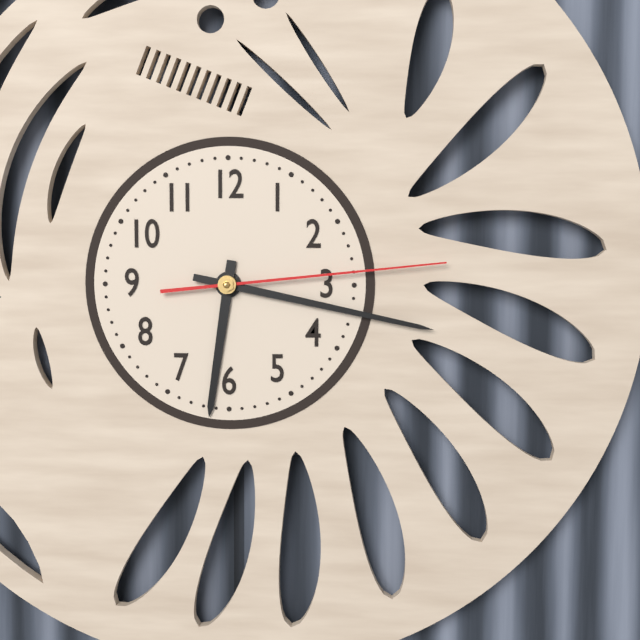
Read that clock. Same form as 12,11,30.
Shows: 6,17,14
